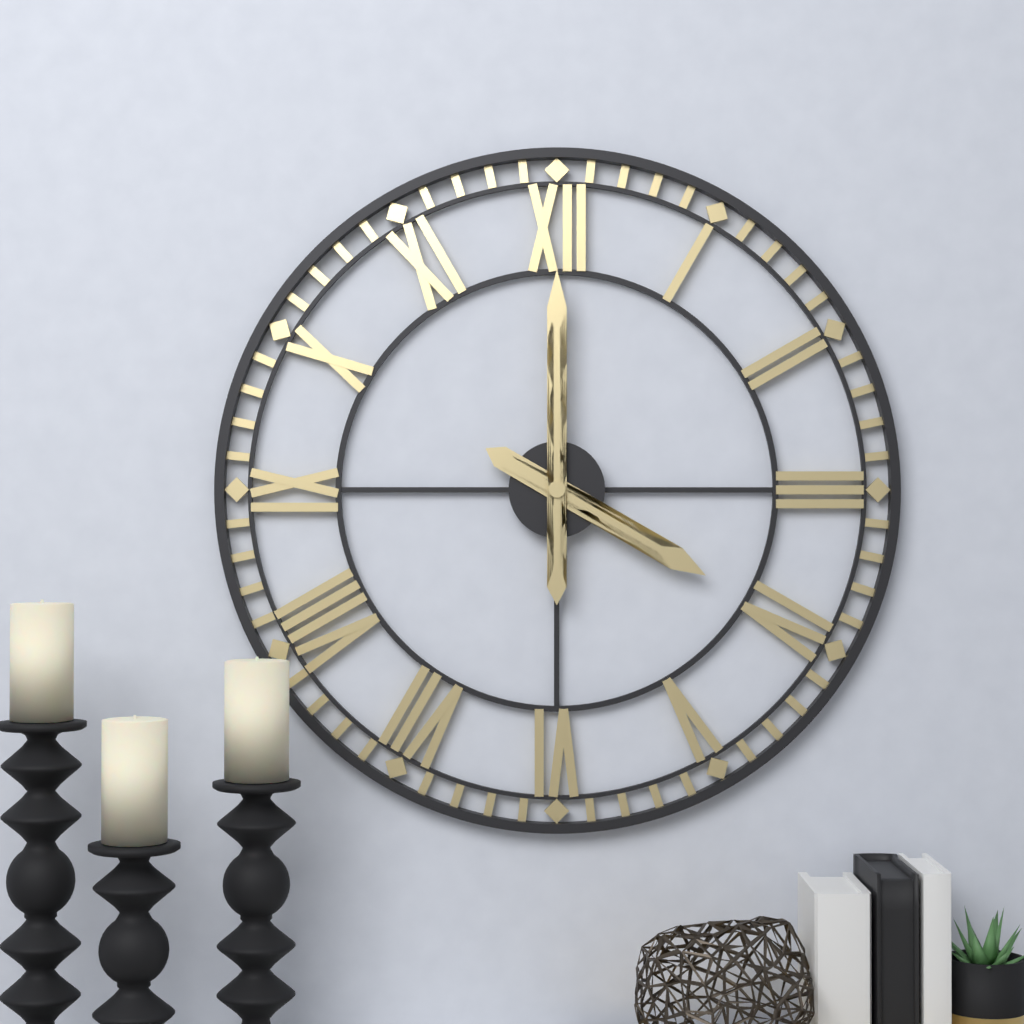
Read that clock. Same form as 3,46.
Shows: 4,00
